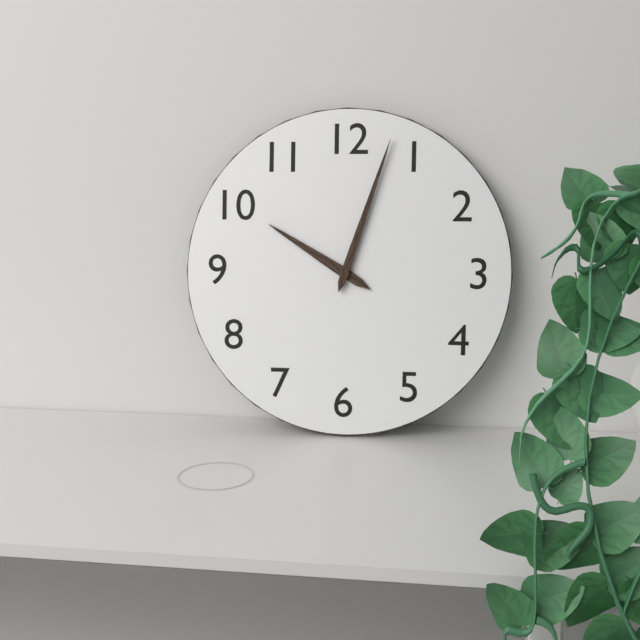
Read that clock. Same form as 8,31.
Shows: 10,03
